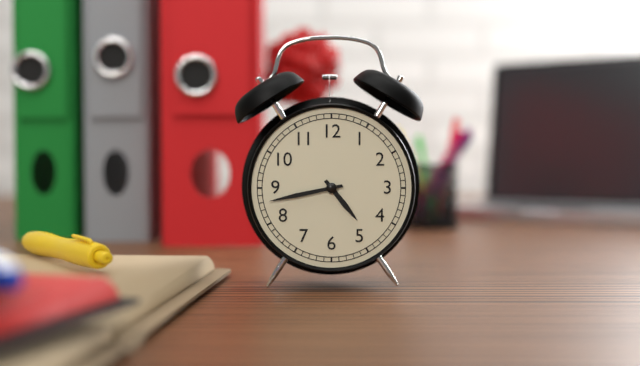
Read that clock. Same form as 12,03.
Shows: 4,43
